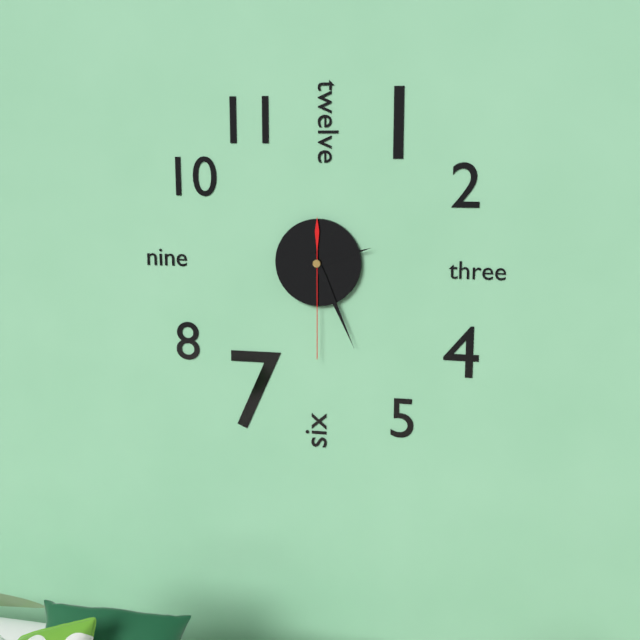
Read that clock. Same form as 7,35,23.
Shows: 2,26,30
